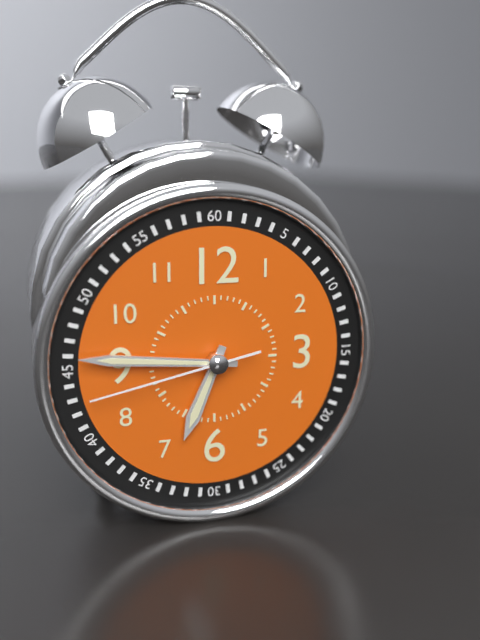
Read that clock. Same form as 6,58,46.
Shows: 6,46,43
